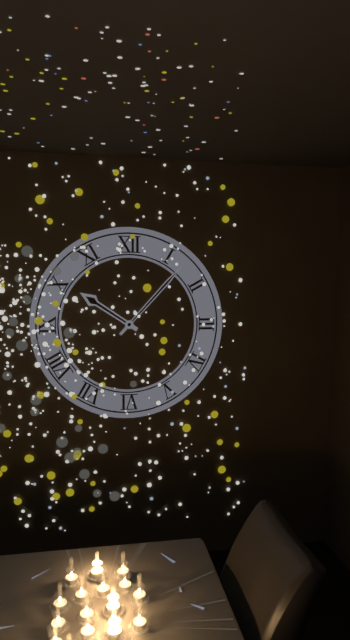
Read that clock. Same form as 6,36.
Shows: 10,07
